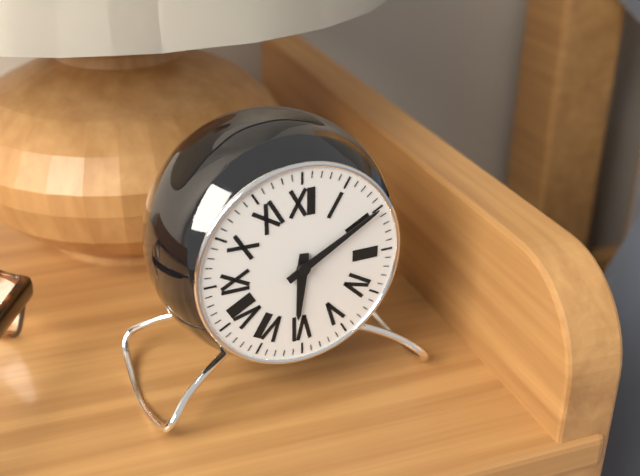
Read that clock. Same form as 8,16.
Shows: 6,10
